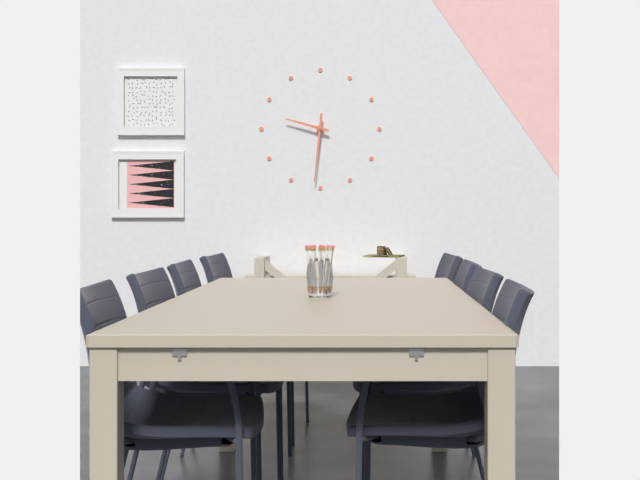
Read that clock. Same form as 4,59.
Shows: 9,31
